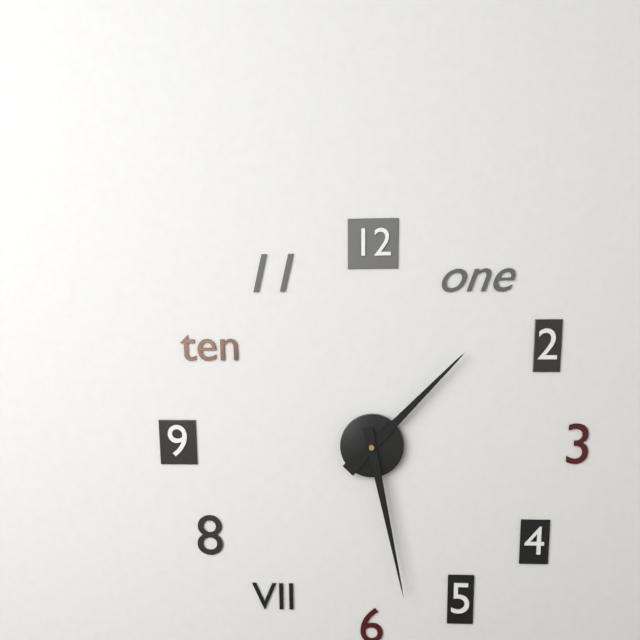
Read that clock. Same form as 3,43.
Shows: 1,28
